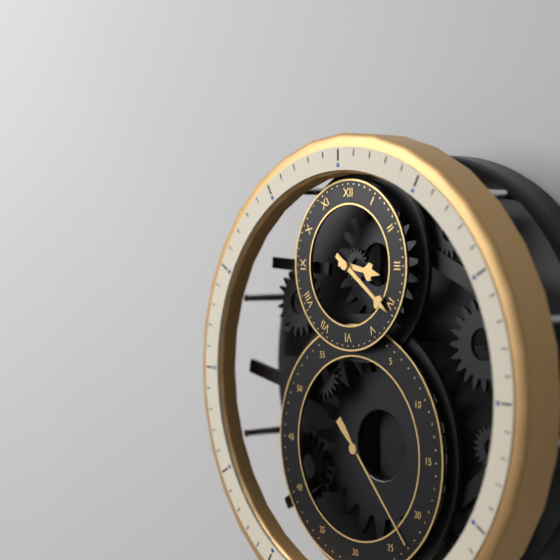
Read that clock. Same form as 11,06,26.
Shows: 3,21,23
